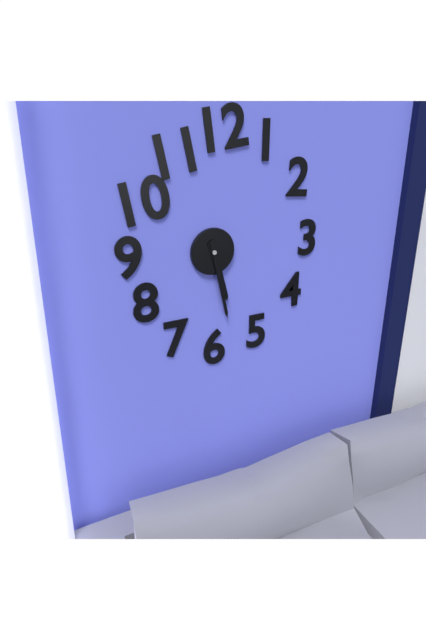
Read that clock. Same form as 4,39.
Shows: 5,28
